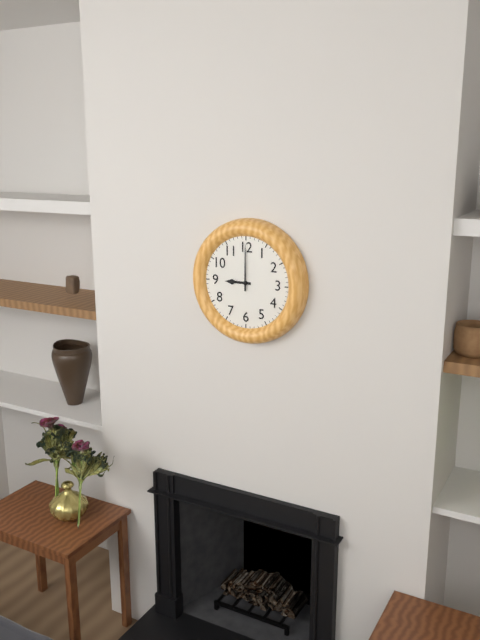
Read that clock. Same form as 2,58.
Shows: 9,00
